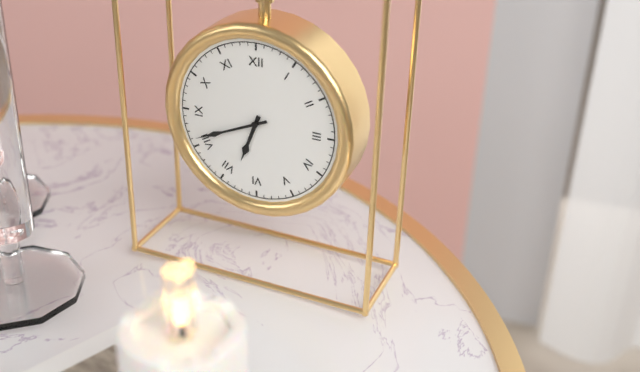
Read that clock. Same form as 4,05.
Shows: 6,41
